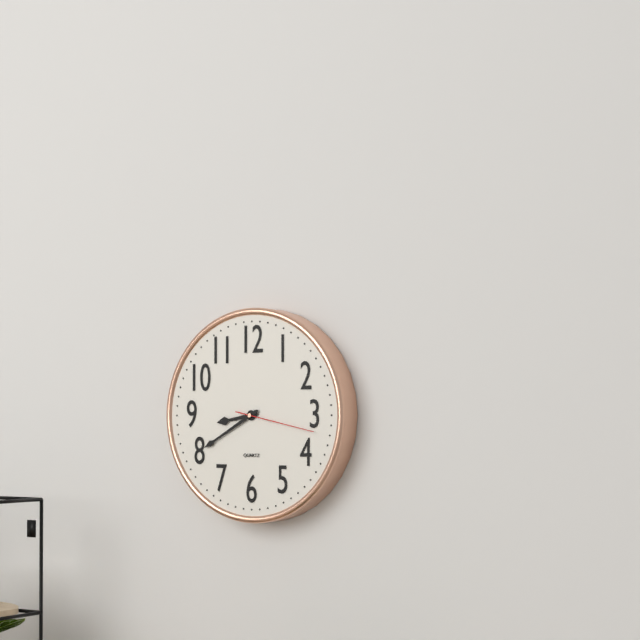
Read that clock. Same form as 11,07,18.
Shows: 8,40,17
